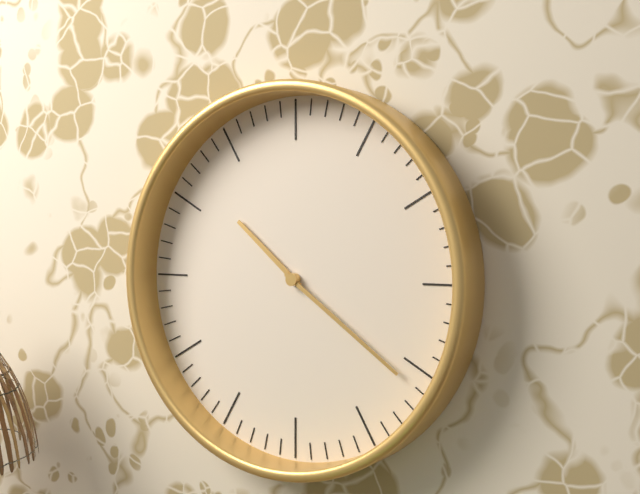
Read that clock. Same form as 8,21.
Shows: 10,21
